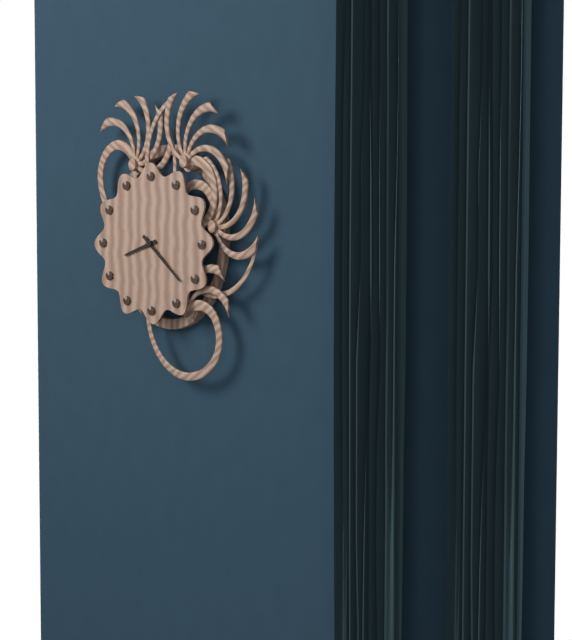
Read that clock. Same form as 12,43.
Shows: 8,22
